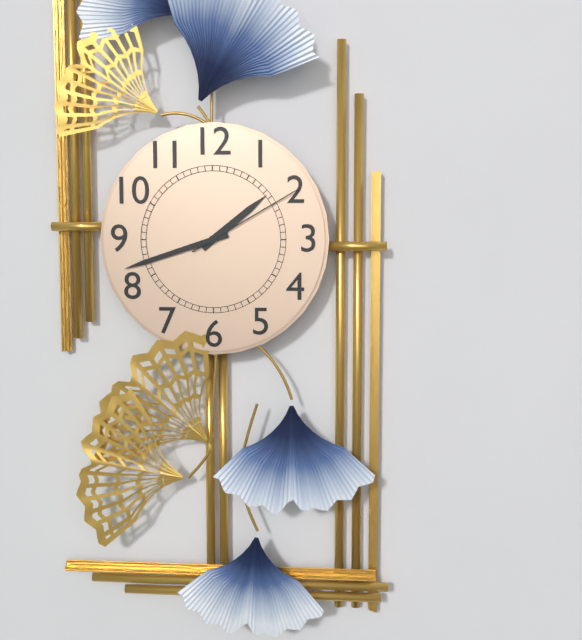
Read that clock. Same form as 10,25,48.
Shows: 1,42,10
